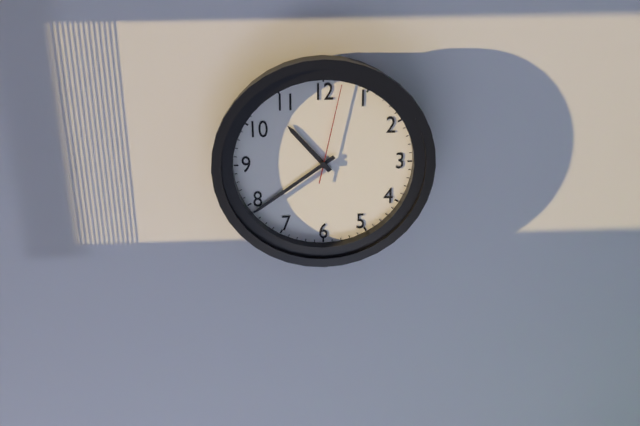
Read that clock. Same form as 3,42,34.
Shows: 10,39,02
